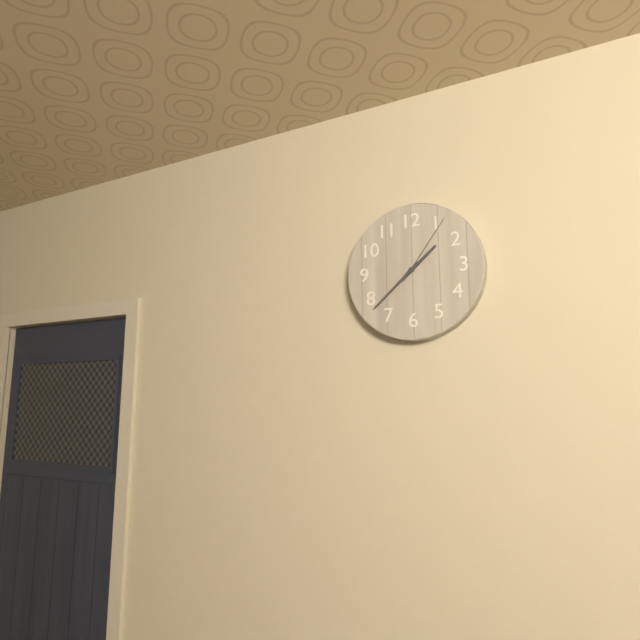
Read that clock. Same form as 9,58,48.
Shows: 1,38,06
